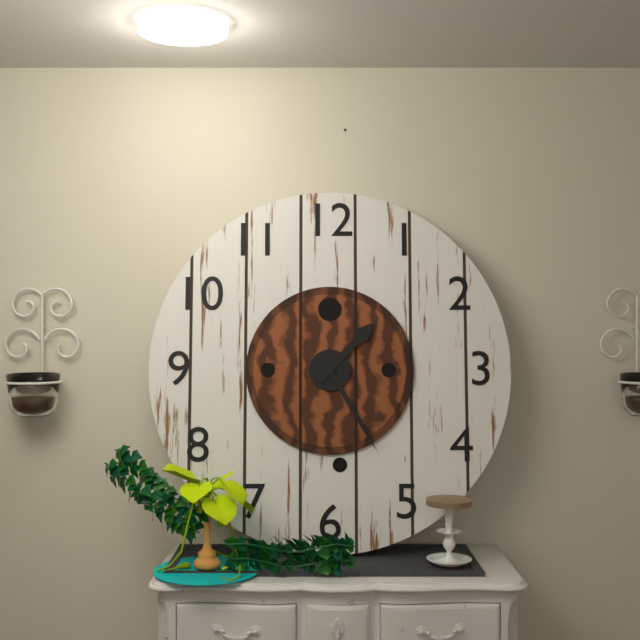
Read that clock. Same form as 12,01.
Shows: 1,25
